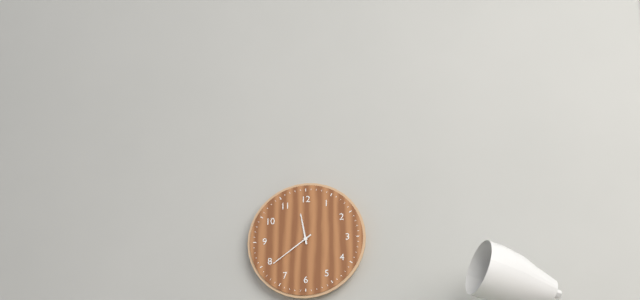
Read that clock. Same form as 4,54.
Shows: 11,39
